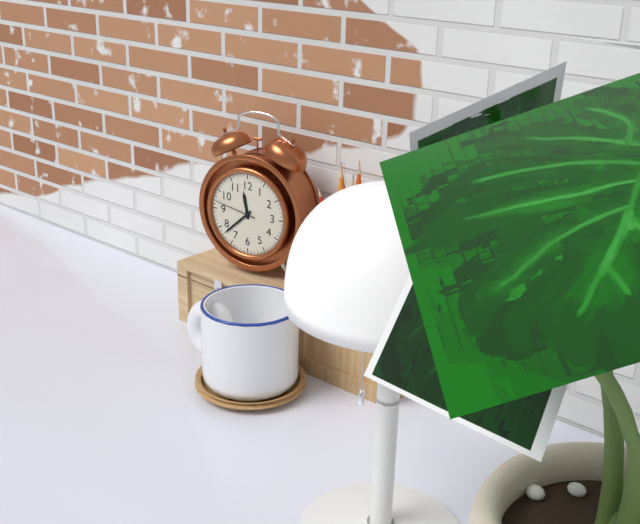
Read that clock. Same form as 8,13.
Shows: 11,38
